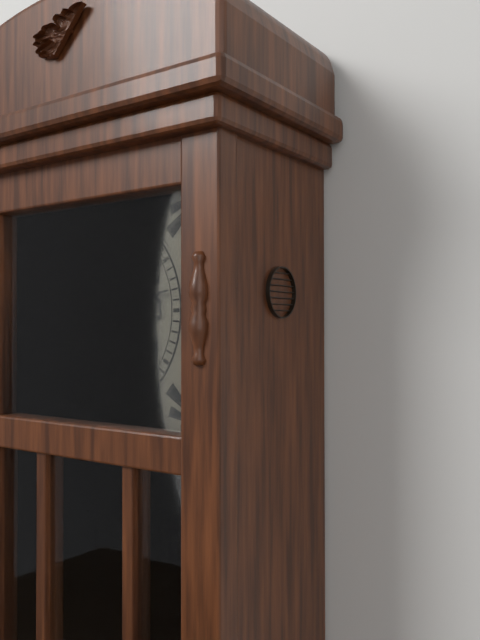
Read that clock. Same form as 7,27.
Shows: 11,13
